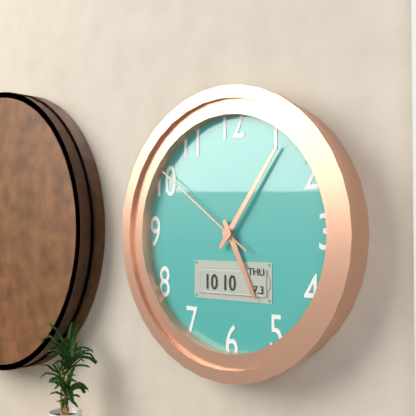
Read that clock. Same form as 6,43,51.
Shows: 5,06,51
